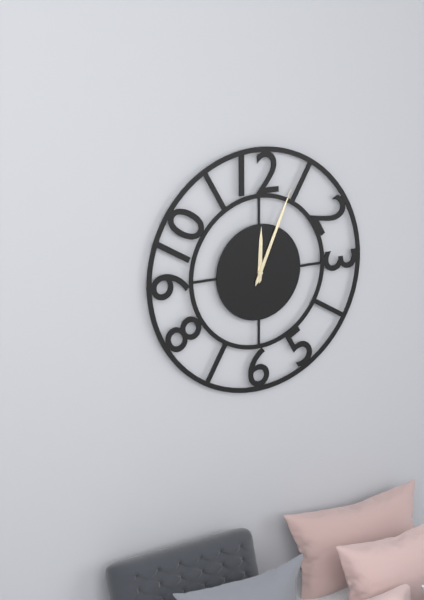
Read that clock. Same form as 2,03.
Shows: 12,04
